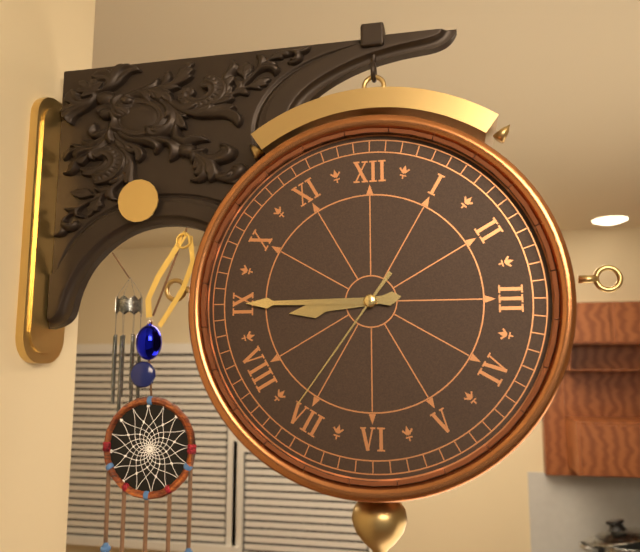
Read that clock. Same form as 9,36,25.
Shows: 8,45,36
